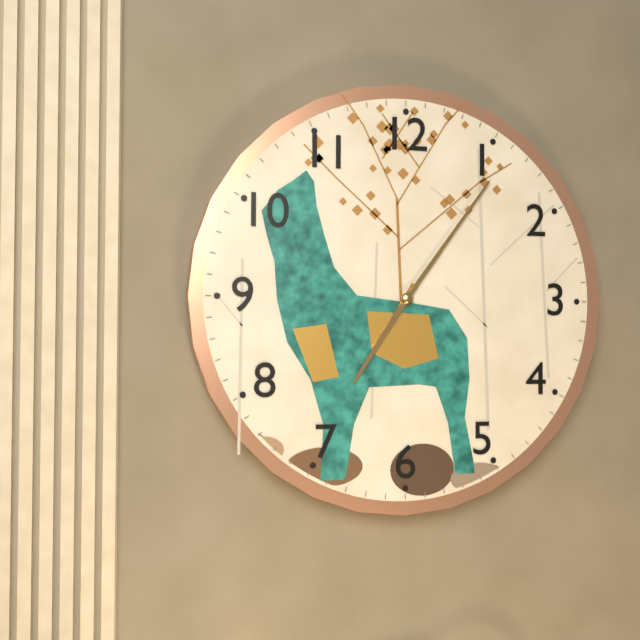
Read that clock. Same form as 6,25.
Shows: 7,06
